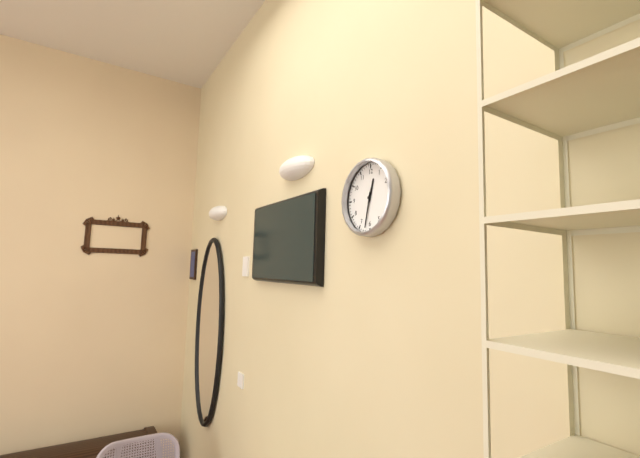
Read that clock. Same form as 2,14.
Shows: 12,32
